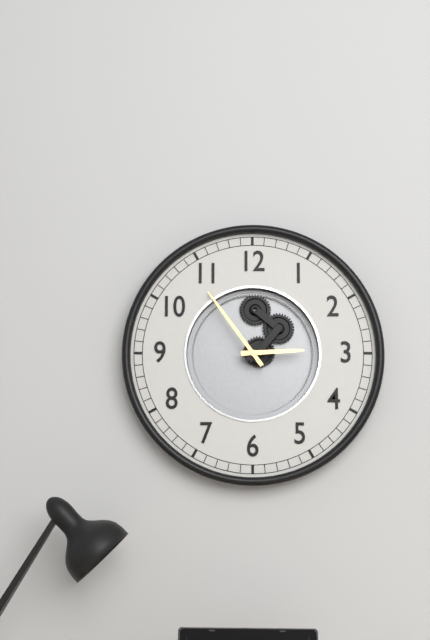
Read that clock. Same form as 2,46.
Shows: 2,54
